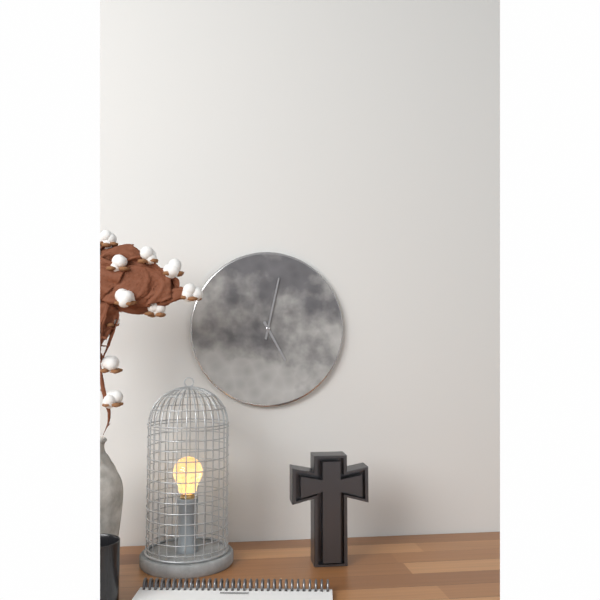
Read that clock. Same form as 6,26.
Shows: 5,02
